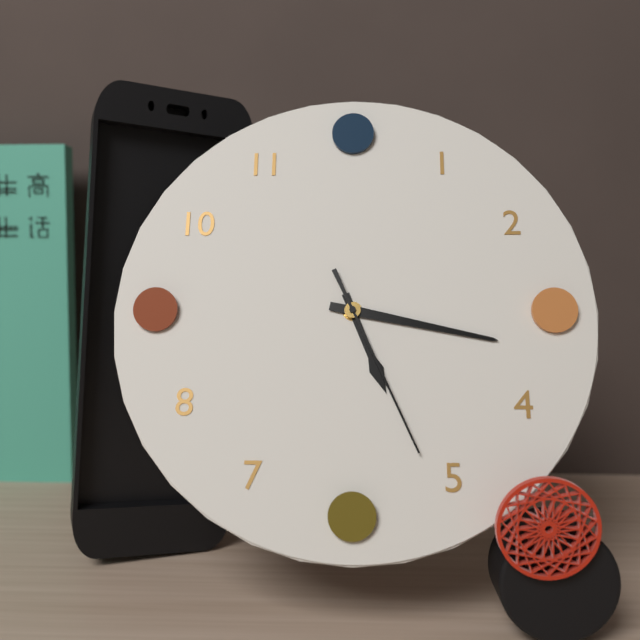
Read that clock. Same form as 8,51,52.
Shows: 5,17,26
